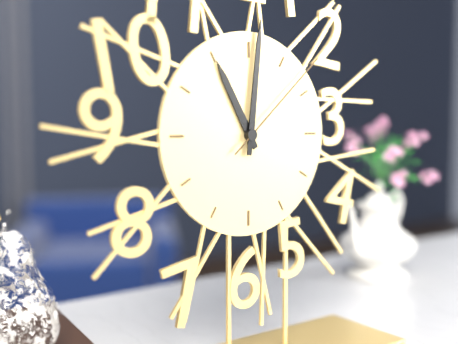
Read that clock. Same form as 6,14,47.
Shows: 11,01,08
